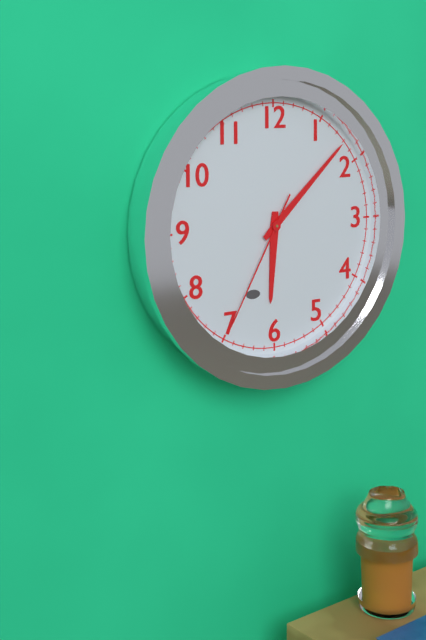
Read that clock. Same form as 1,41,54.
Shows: 6,08,35
